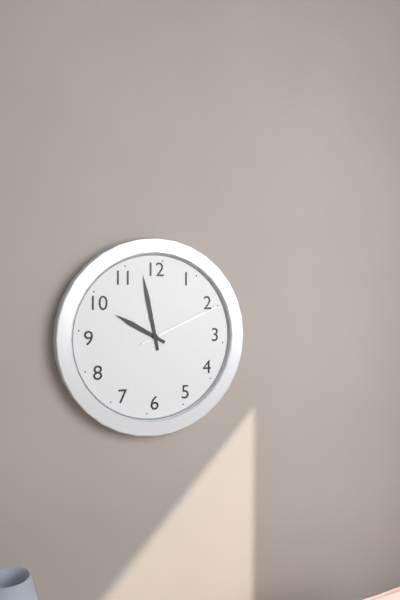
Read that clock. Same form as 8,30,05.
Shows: 9,58,11
